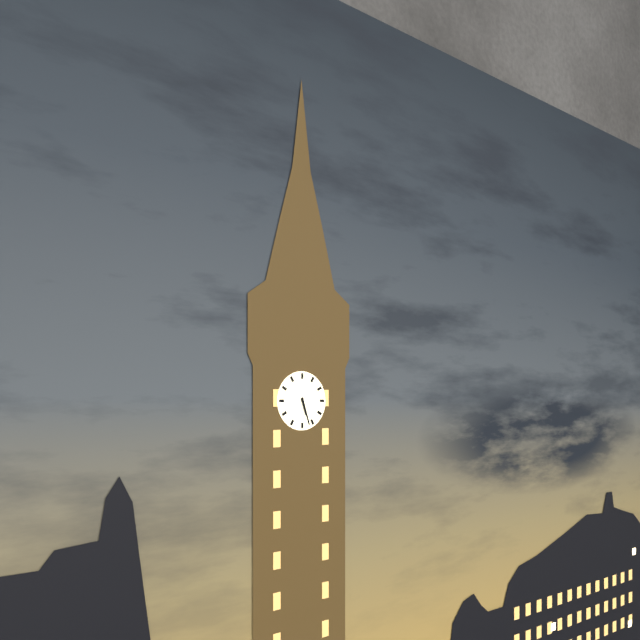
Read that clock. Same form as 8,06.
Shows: 5,27
